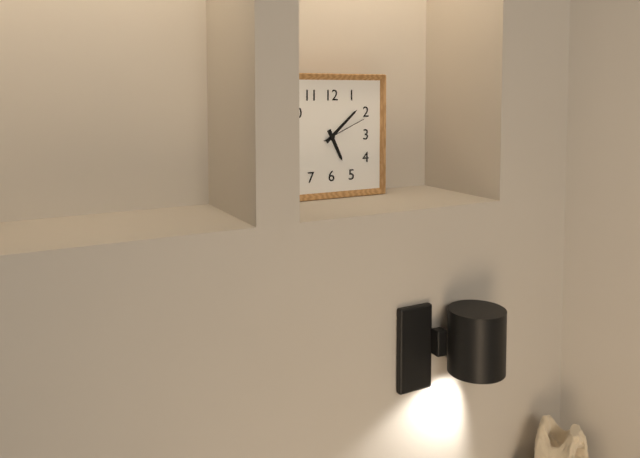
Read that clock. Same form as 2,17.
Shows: 5,08
